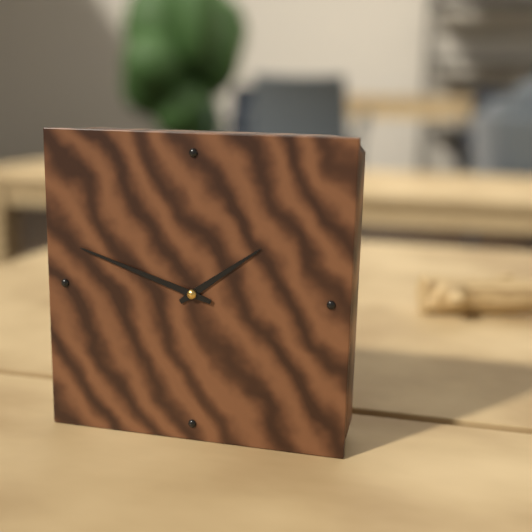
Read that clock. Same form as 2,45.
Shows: 1,48
